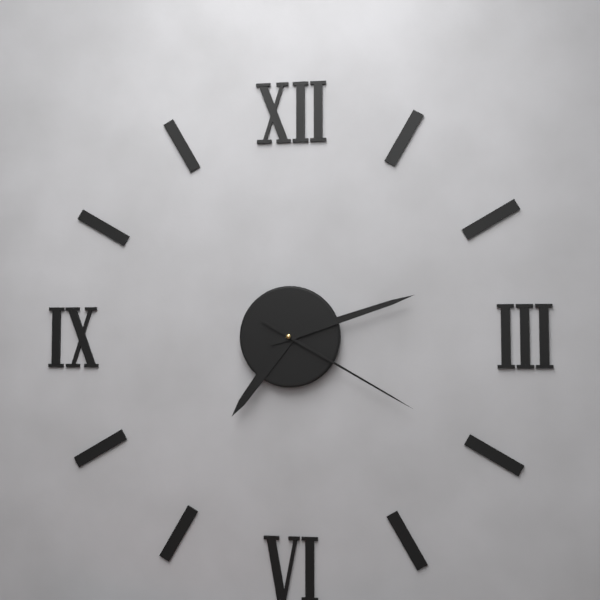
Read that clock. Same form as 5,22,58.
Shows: 7,12,20
